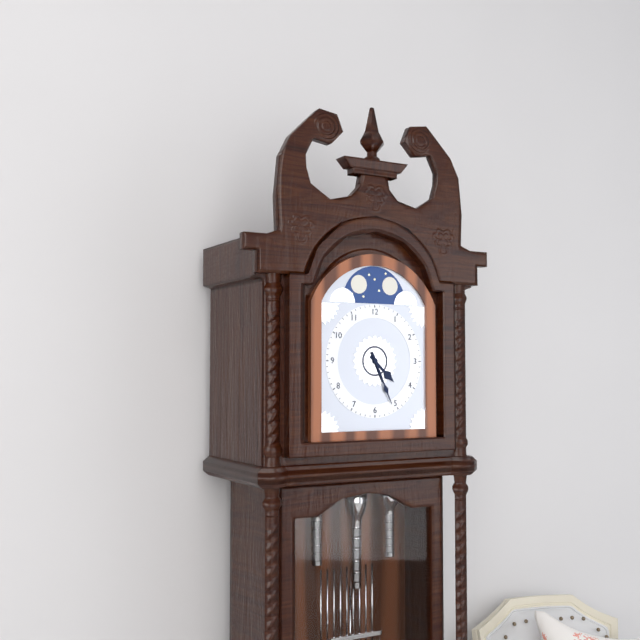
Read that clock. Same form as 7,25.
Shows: 4,26
